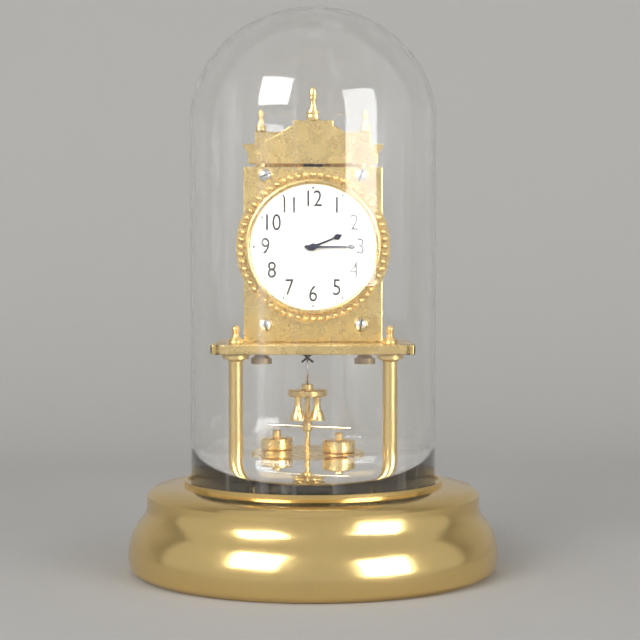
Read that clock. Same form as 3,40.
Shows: 2,15
